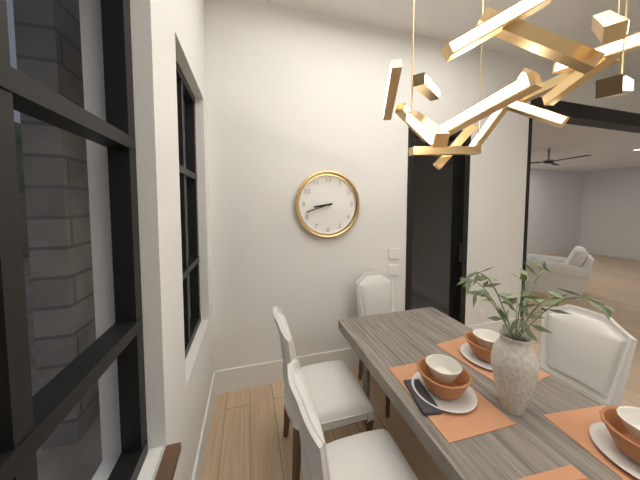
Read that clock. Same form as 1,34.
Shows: 8,42
